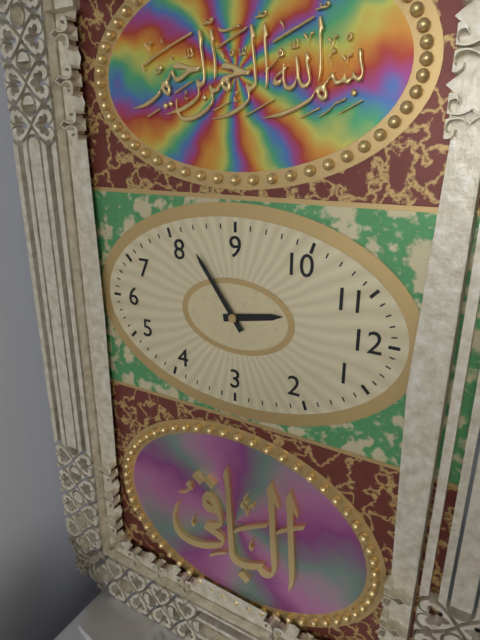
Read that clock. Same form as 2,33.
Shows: 11,39
